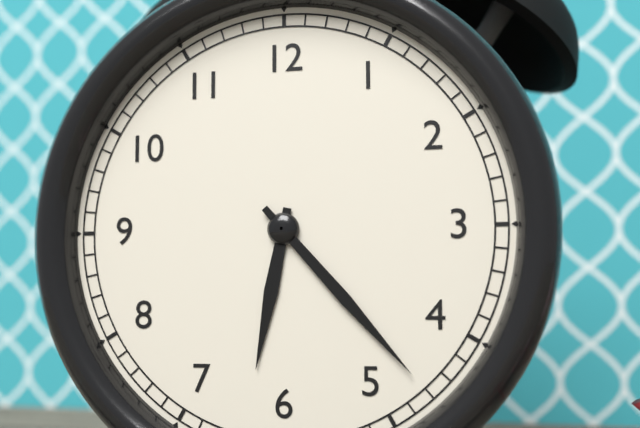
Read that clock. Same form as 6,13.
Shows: 6,23
